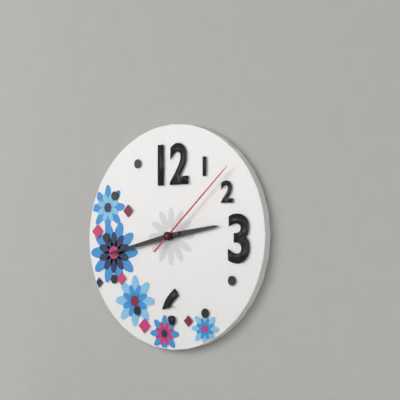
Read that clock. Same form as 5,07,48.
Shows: 2,43,08
